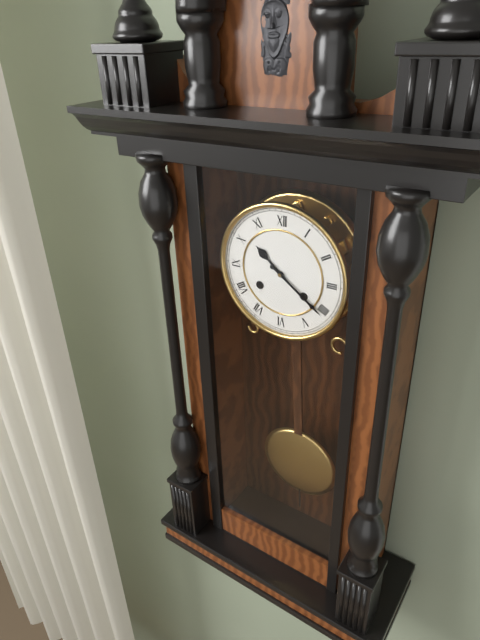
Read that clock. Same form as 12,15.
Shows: 10,21
